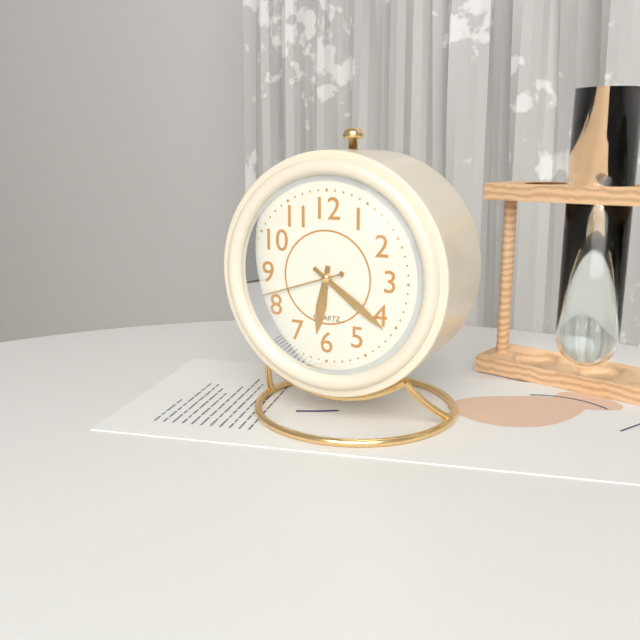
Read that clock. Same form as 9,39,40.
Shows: 6,21,42
